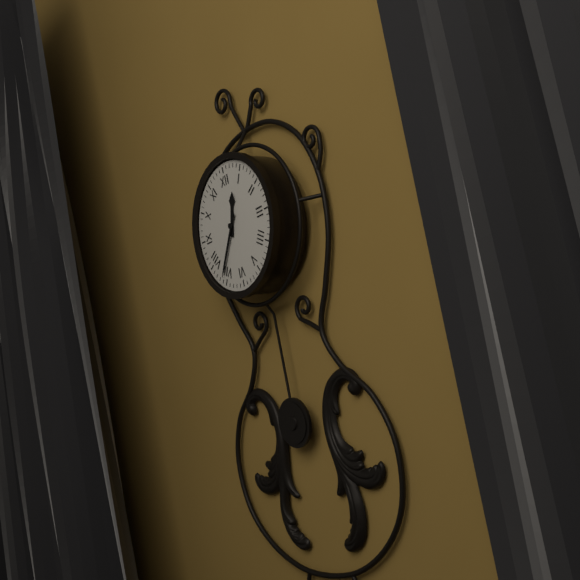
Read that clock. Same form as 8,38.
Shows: 12,36
